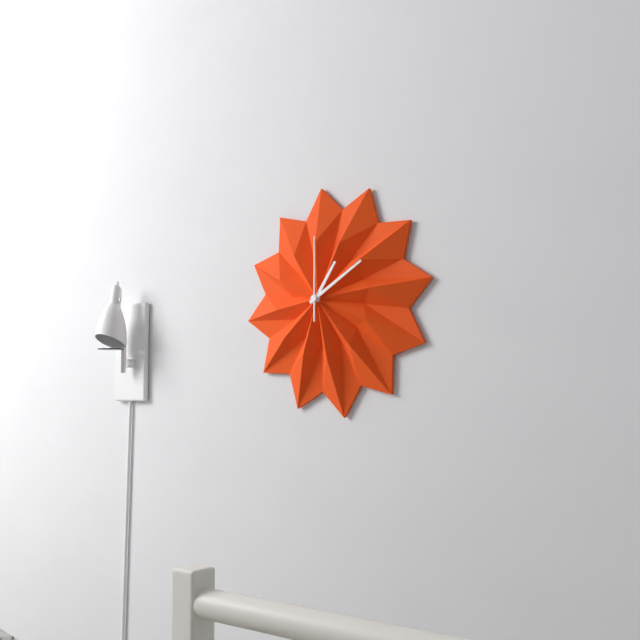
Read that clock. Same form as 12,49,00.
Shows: 1,10,00
